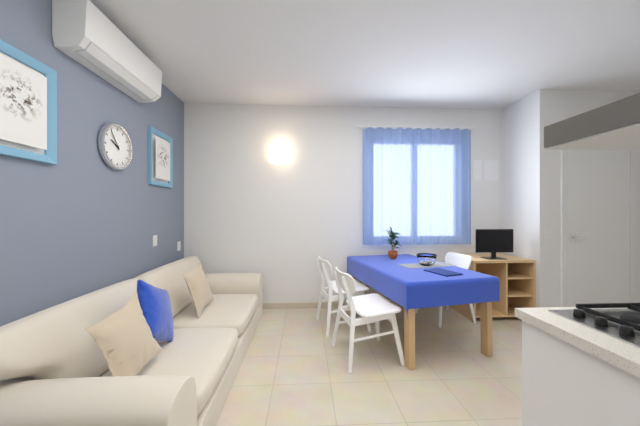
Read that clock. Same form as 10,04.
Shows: 9,54
